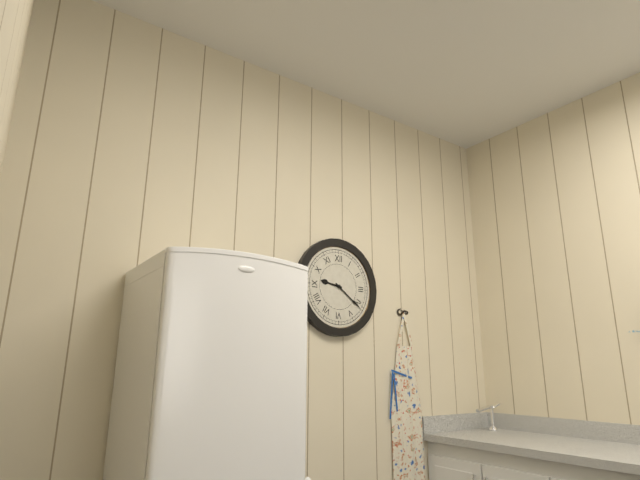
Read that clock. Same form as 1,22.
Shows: 9,21
